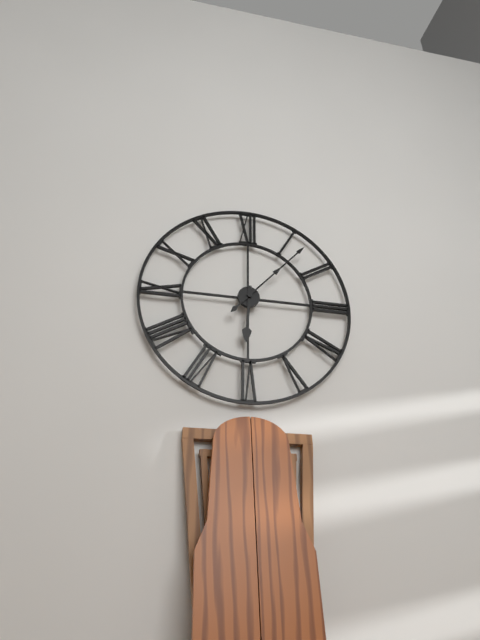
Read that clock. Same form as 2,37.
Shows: 6,07
